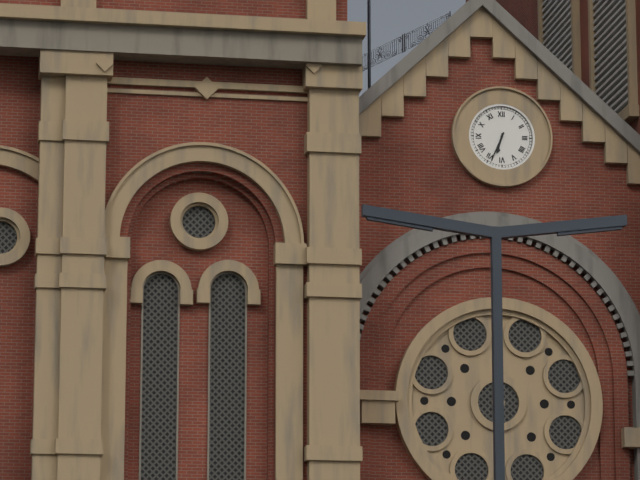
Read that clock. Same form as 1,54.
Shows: 6,34
